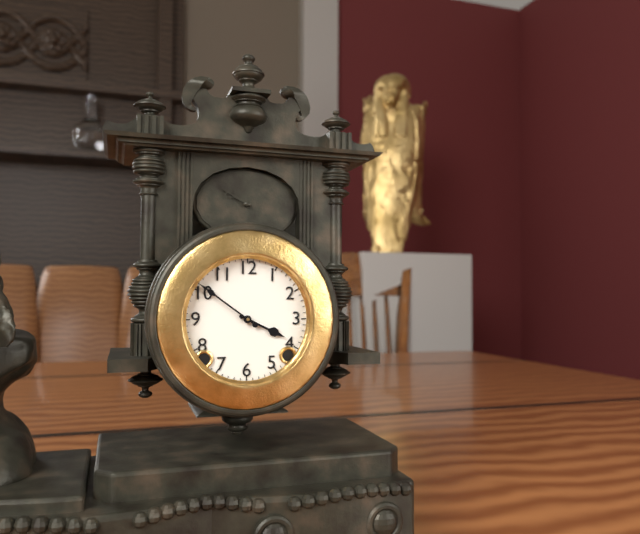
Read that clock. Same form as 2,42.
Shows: 3,51
